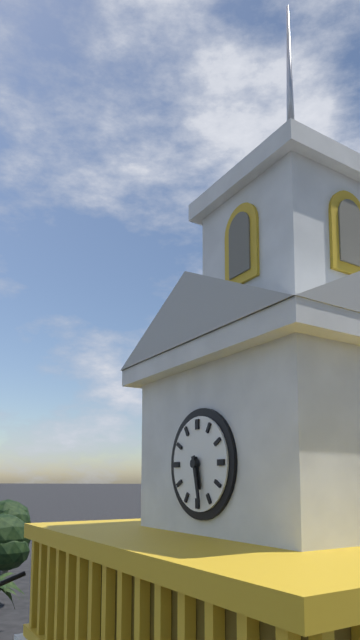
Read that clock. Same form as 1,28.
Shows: 5,28
